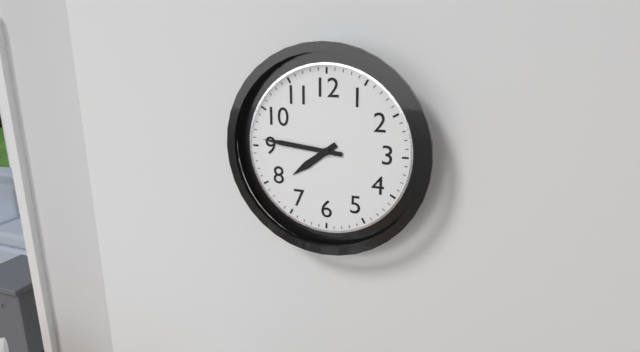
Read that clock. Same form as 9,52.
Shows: 7,46
